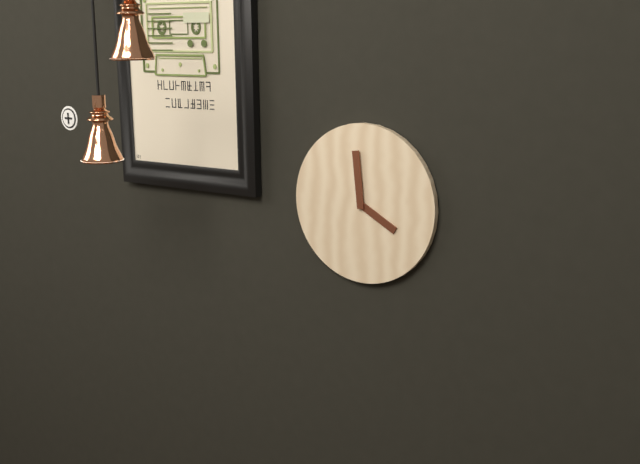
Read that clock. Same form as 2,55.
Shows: 3,59
